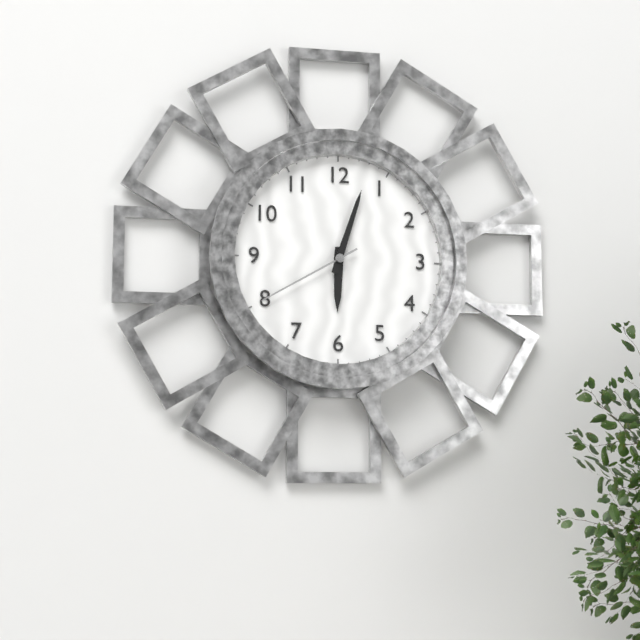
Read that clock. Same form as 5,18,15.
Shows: 6,03,40
